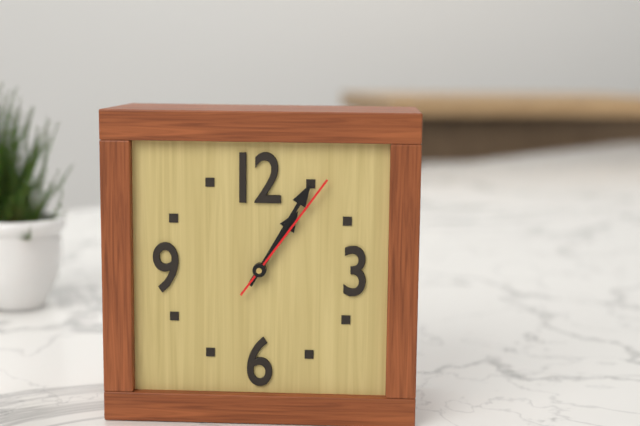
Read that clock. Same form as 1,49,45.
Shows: 1,05,06
